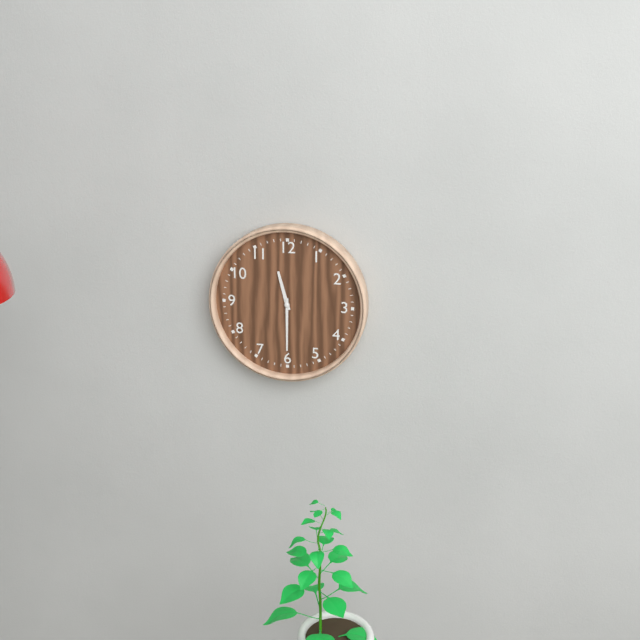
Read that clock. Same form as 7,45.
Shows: 11,30
